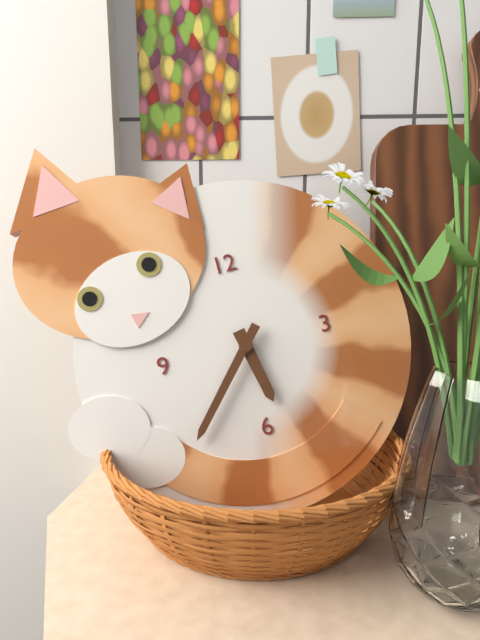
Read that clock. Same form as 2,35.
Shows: 5,37
